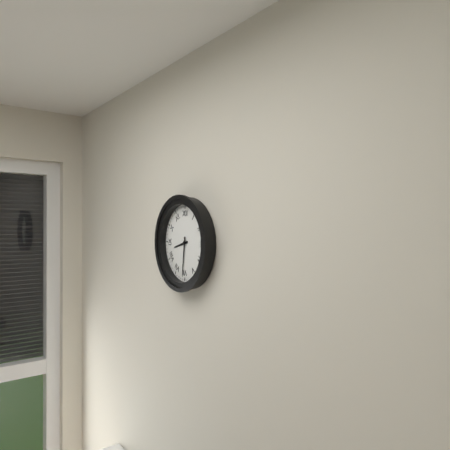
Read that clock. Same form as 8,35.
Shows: 8,31
